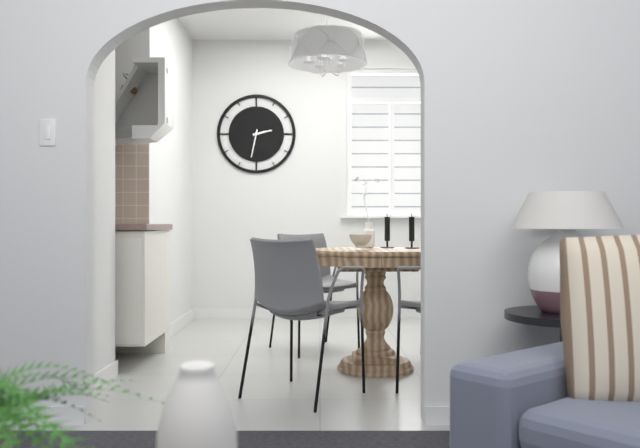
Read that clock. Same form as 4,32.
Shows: 2,32
